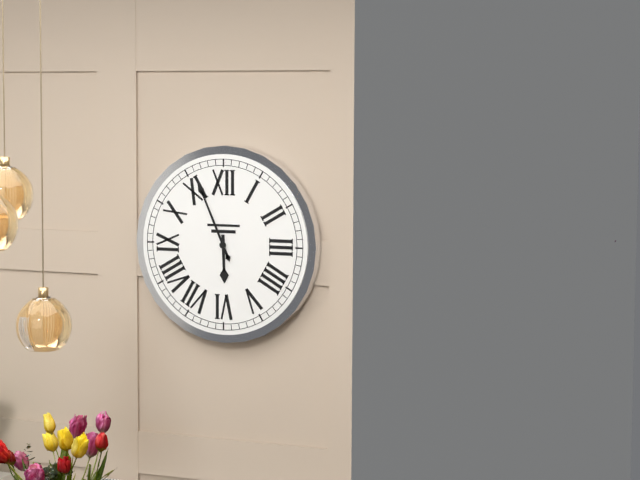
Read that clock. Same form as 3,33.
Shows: 5,56
